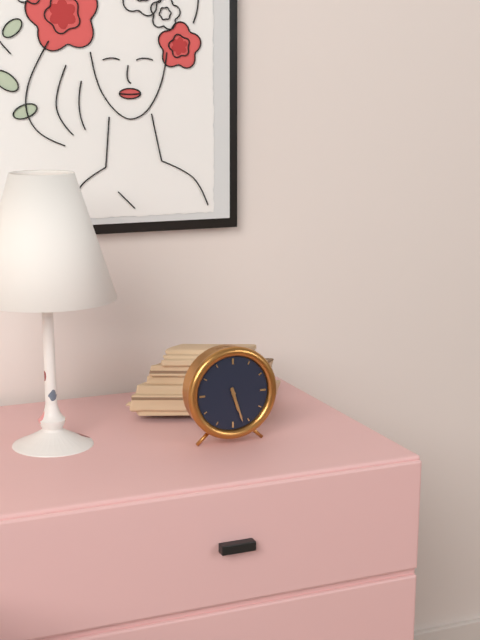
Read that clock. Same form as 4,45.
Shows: 5,27
